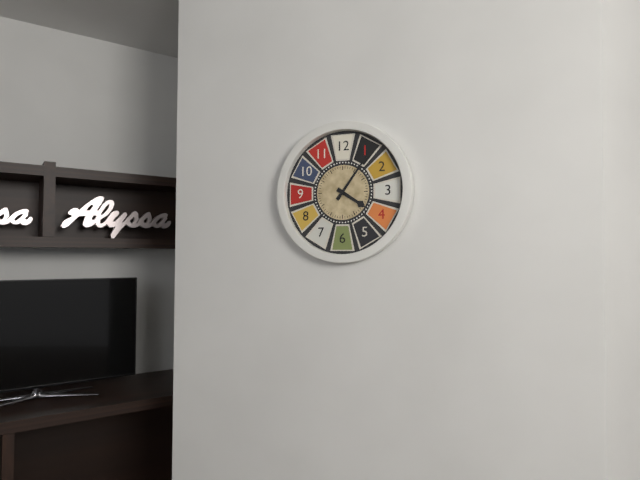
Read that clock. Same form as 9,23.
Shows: 4,06
